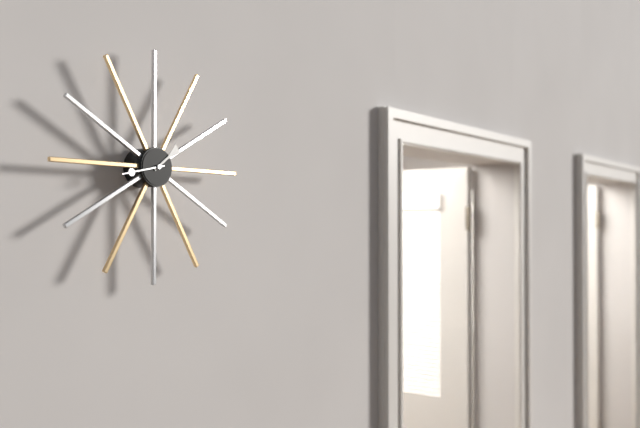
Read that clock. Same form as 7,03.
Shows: 1,43
